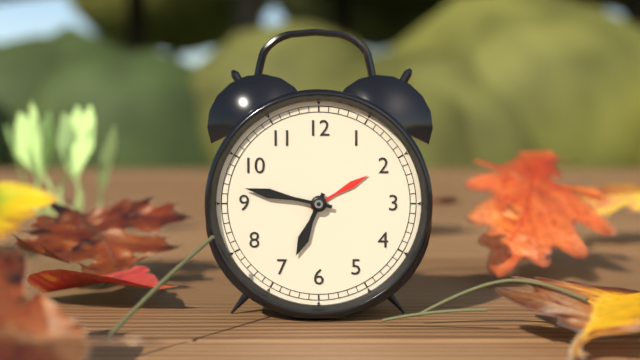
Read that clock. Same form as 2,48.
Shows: 6,47
